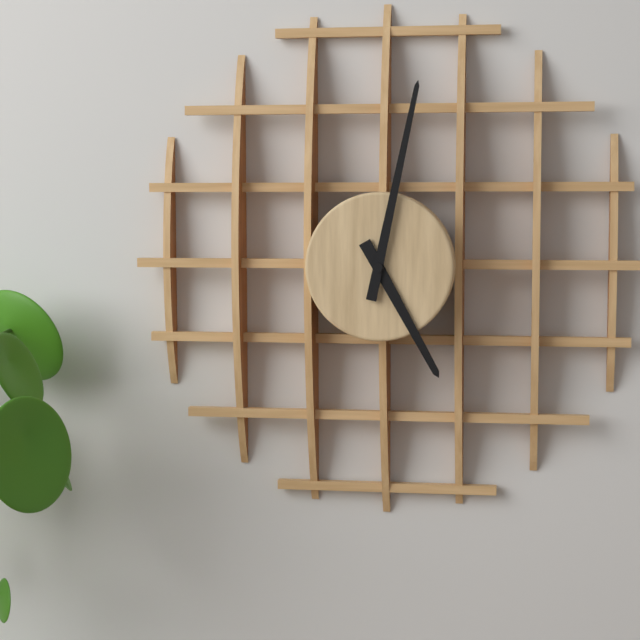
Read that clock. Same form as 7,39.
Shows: 5,02
